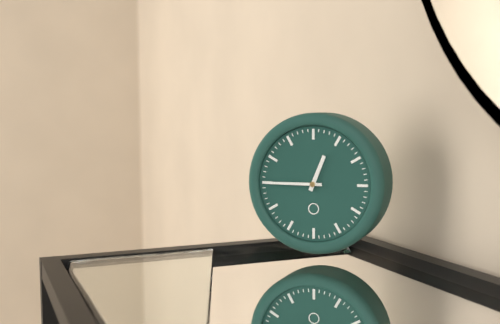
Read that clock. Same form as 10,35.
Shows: 12,45
